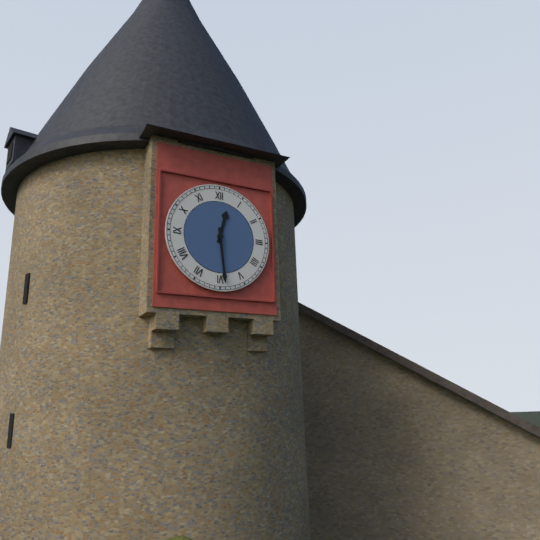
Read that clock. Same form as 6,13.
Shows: 12,29
